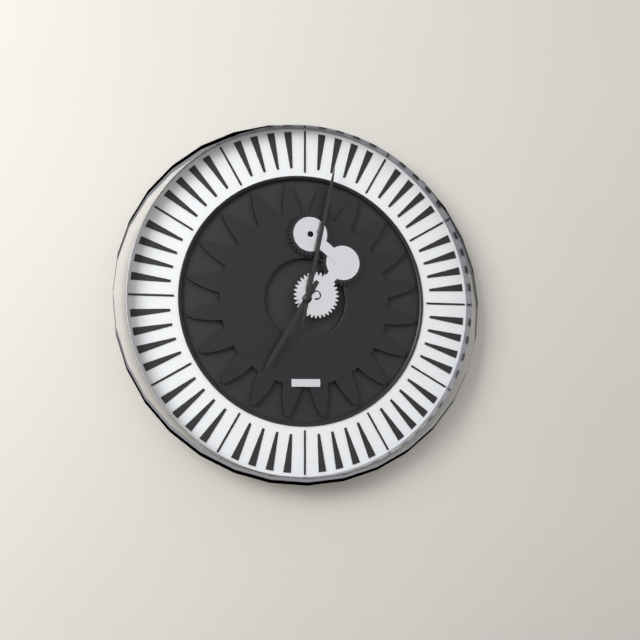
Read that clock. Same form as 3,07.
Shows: 7,02
